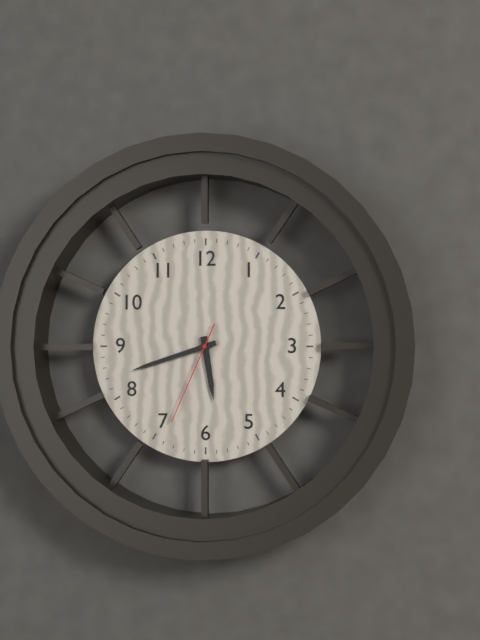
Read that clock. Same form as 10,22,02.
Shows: 5,42,34
